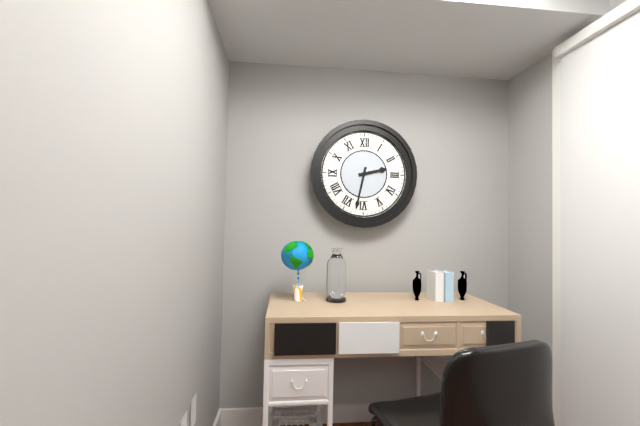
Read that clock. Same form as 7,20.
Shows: 2,32
